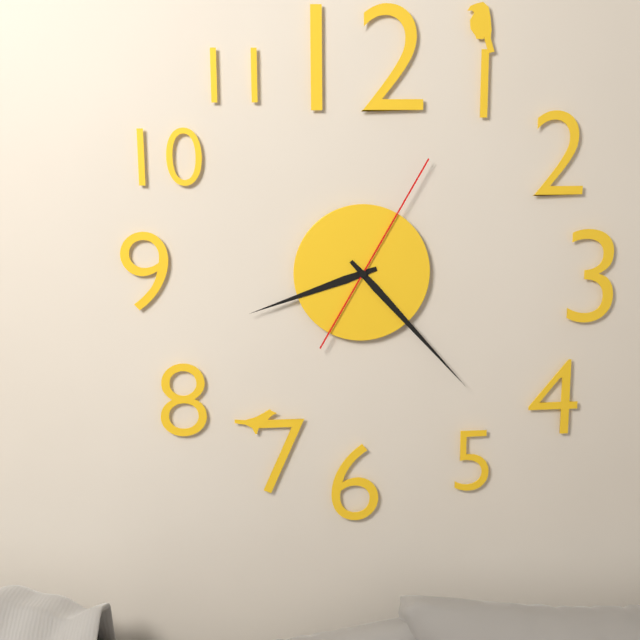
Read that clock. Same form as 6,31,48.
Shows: 8,23,05
